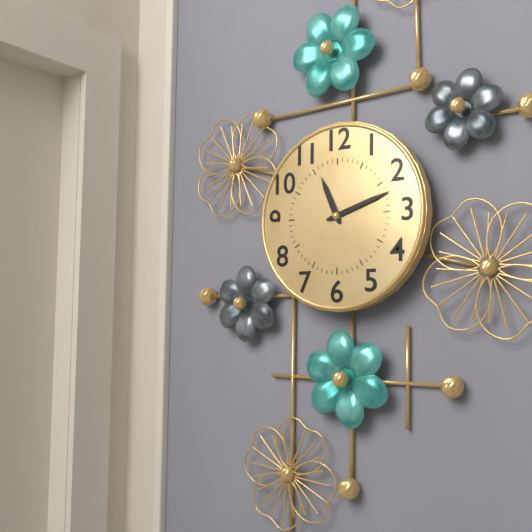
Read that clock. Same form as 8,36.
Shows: 11,12
